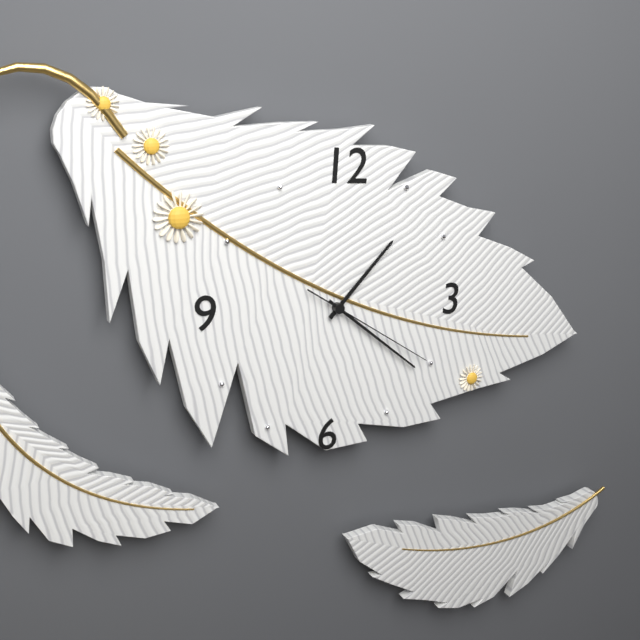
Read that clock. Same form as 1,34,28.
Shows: 1,21,20
